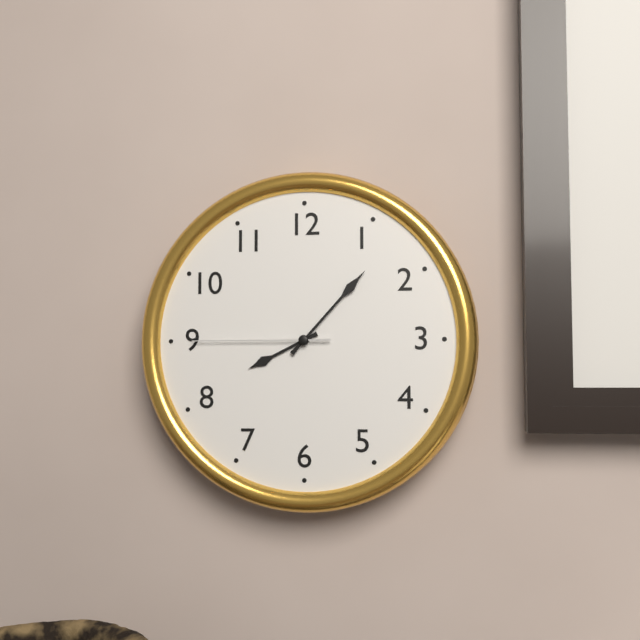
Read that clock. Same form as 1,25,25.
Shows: 8,07,45
